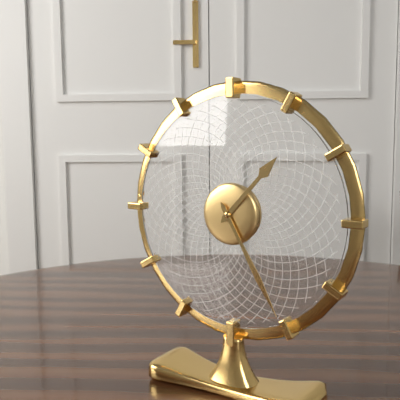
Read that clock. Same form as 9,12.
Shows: 1,25
